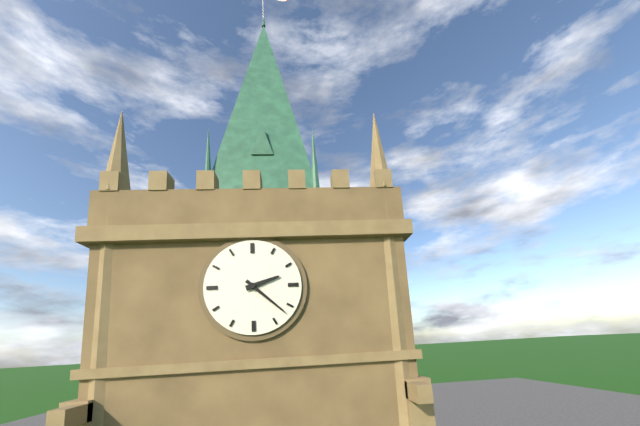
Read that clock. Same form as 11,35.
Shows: 2,22
